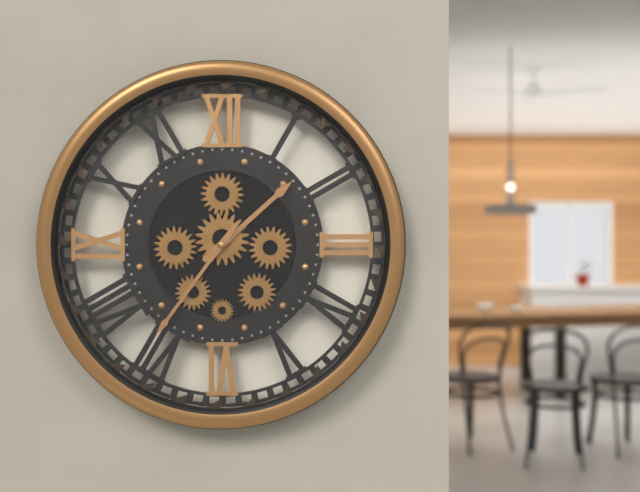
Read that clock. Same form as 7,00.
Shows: 1,36
